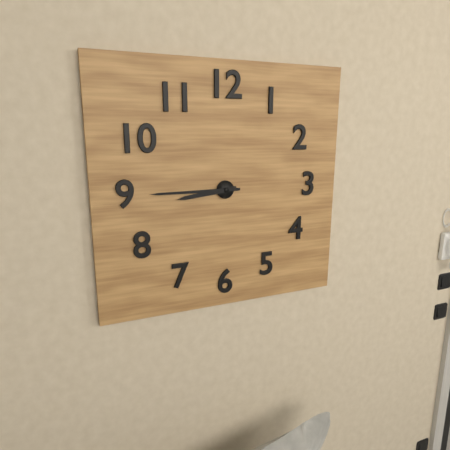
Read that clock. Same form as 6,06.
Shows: 8,45
